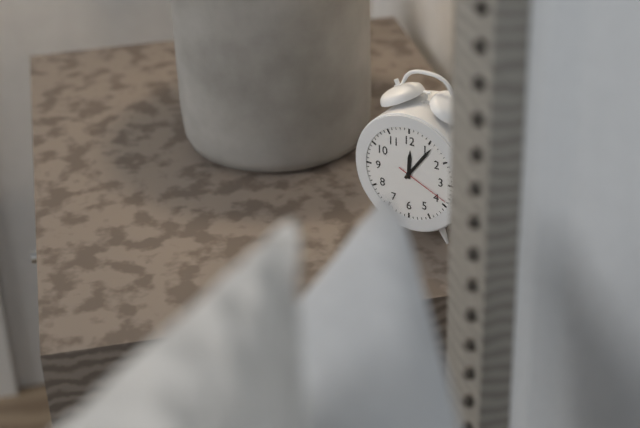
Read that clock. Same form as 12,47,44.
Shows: 12,06,19
